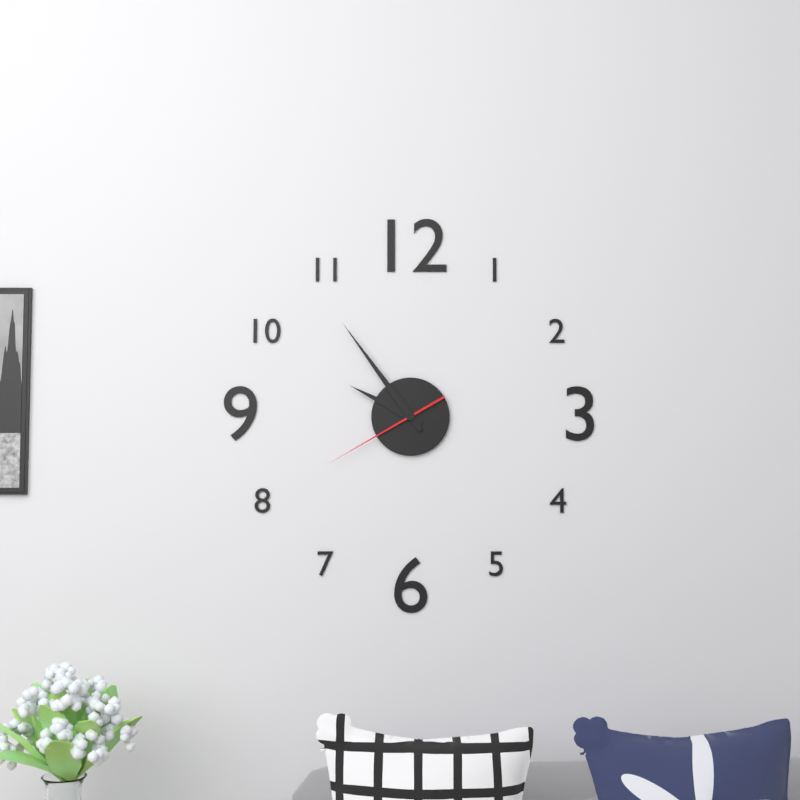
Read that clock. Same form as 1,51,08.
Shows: 9,54,40
